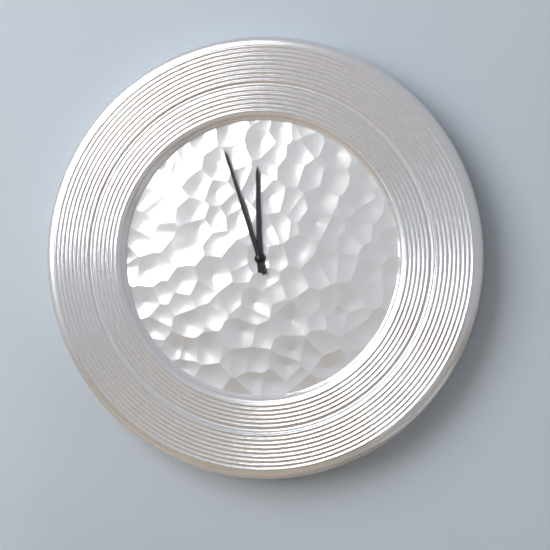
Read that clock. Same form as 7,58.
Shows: 11,57
